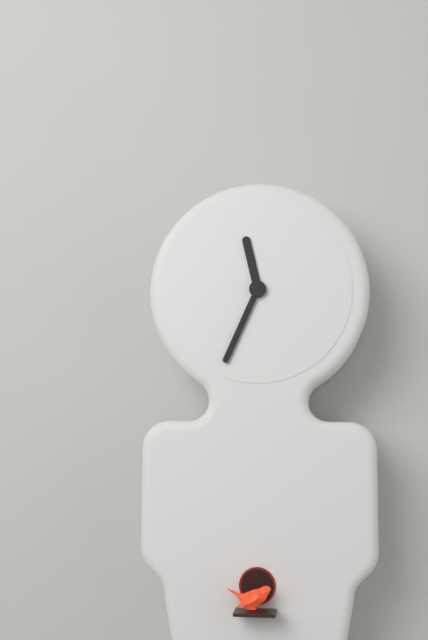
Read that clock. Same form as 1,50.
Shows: 11,34
